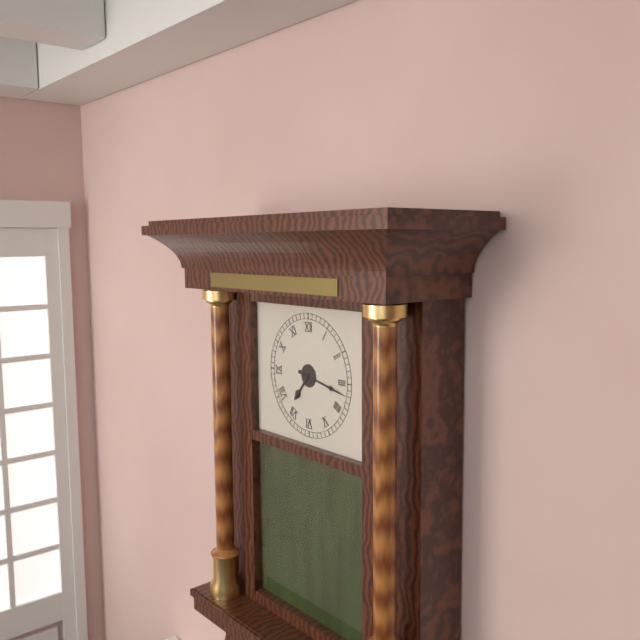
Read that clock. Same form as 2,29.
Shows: 7,17
